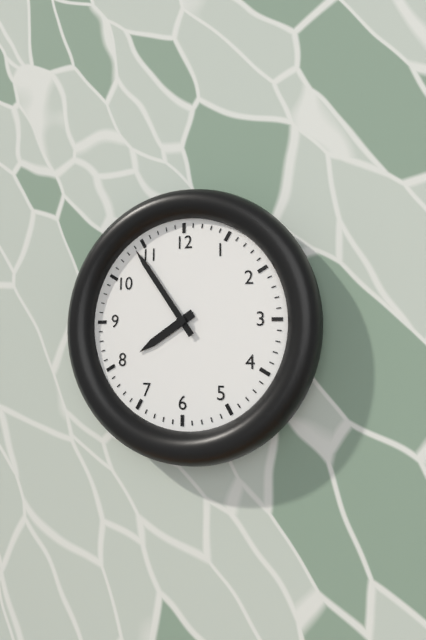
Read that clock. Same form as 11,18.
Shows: 7,54
